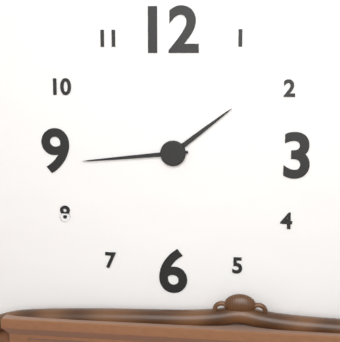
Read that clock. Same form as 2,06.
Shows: 1,44
